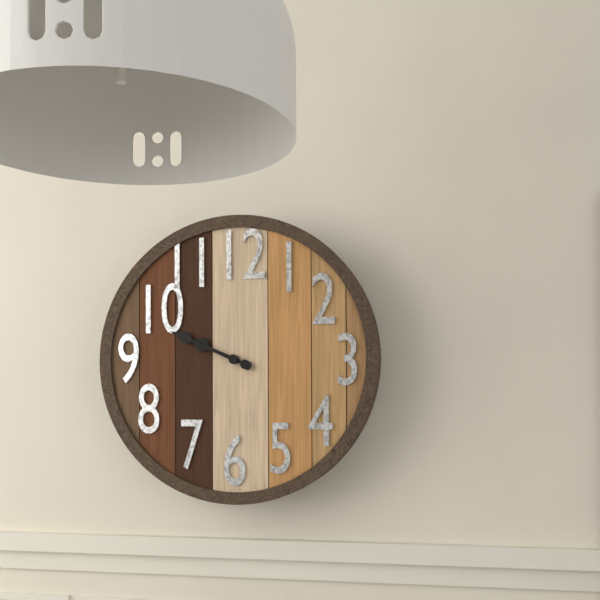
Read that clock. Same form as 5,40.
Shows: 9,49
